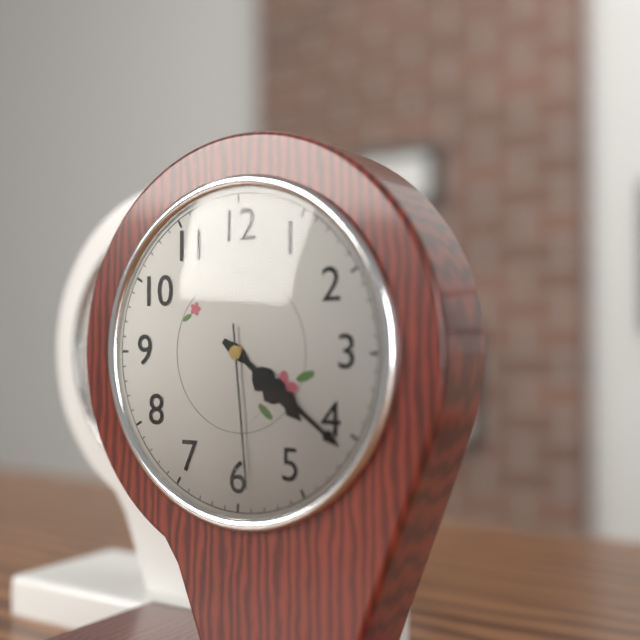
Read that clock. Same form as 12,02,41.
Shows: 4,21,29
